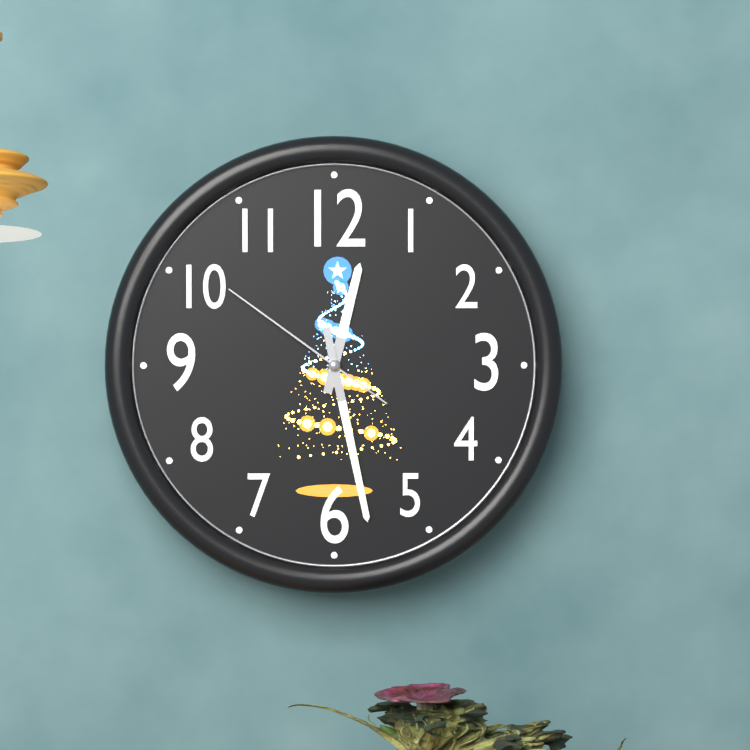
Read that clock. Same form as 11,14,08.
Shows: 12,28,51
